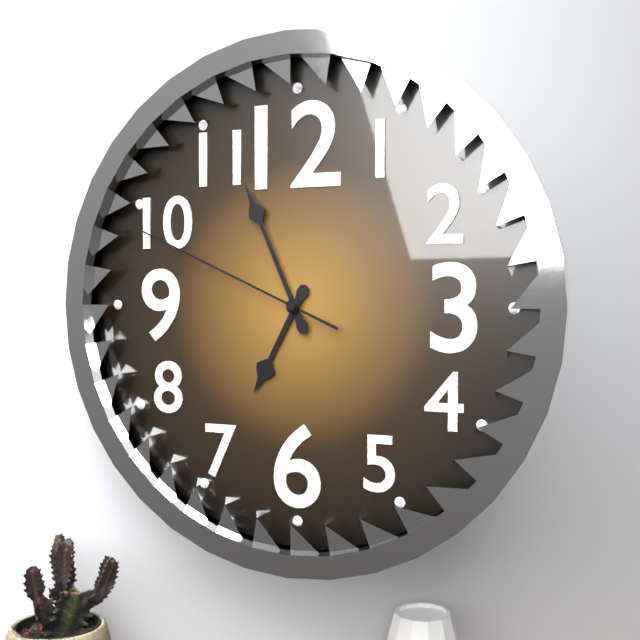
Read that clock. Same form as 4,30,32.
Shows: 6,56,49
